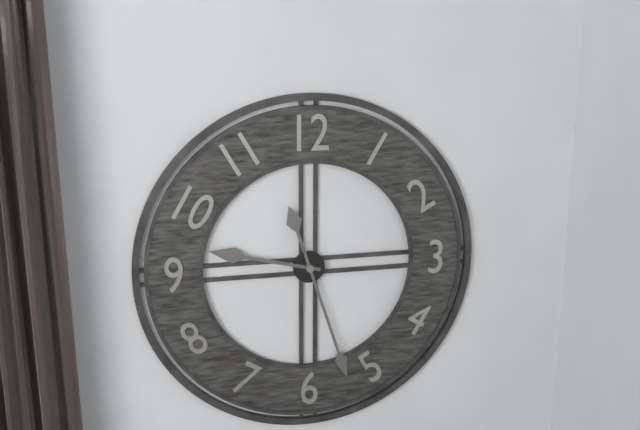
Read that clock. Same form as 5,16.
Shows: 9,27
